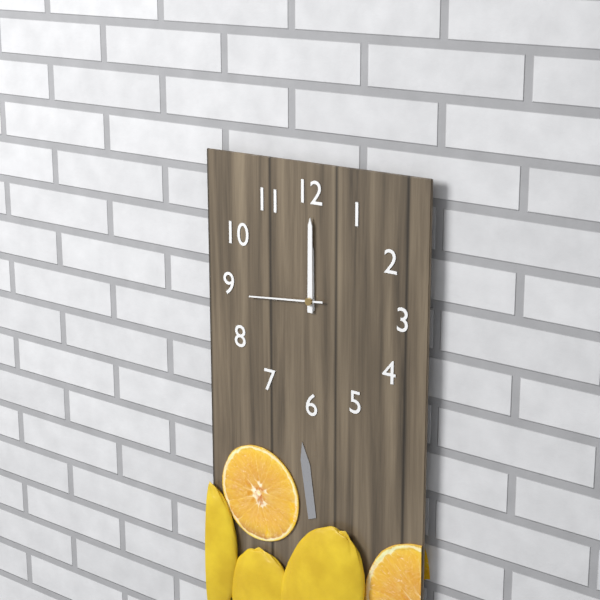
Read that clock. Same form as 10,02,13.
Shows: 12,00,44
